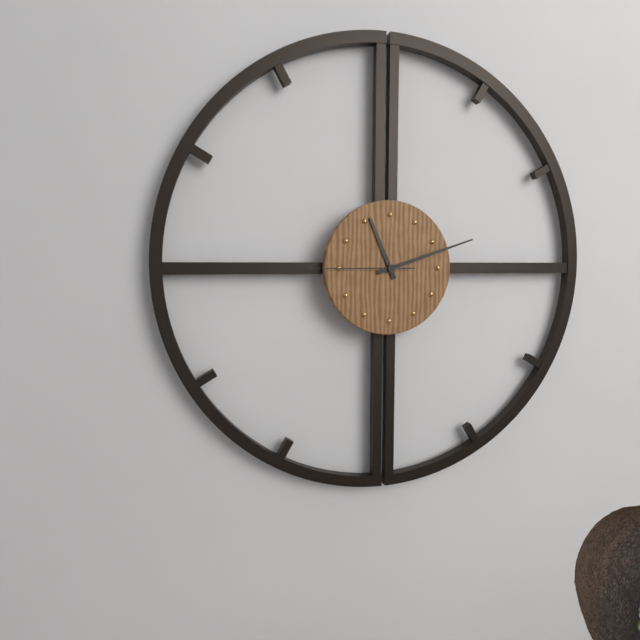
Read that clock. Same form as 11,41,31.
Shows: 11,12,45
